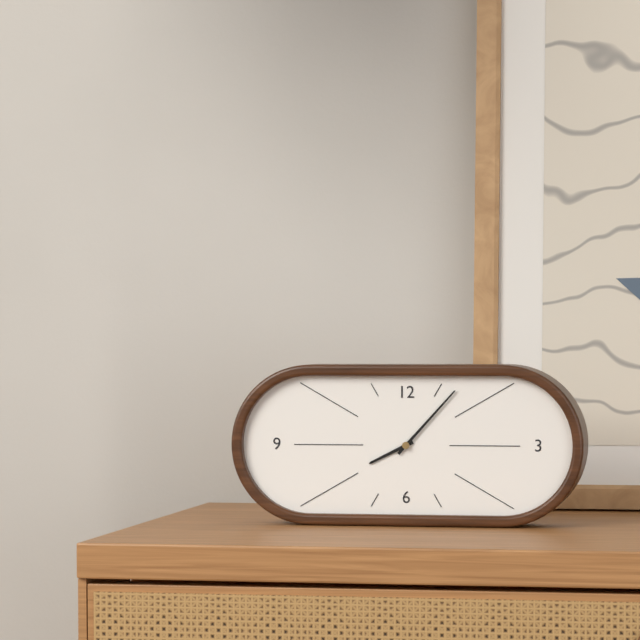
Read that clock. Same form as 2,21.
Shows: 8,07
